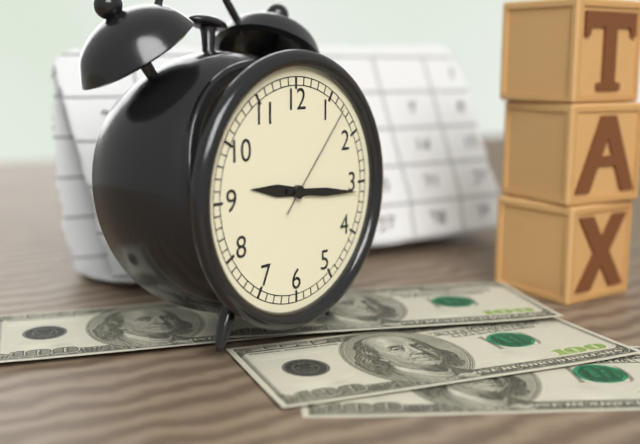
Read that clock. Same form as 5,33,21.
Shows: 9,16,07
